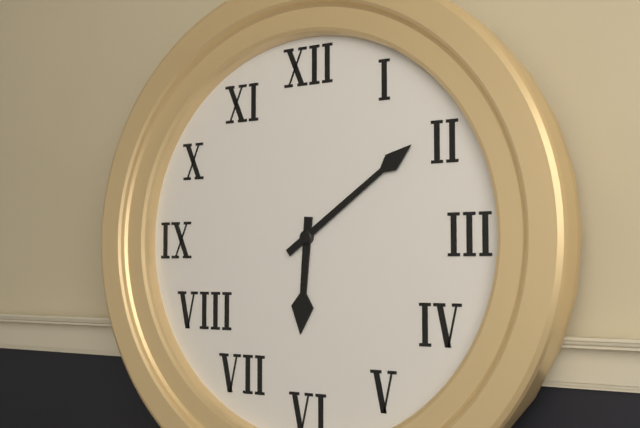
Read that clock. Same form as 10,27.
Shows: 6,09
